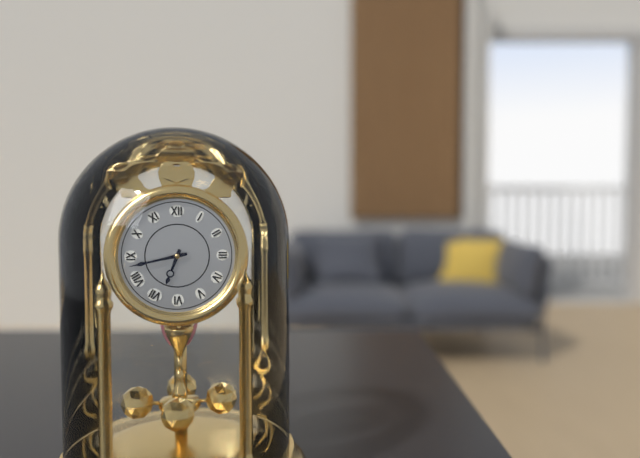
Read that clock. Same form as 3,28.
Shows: 6,43
